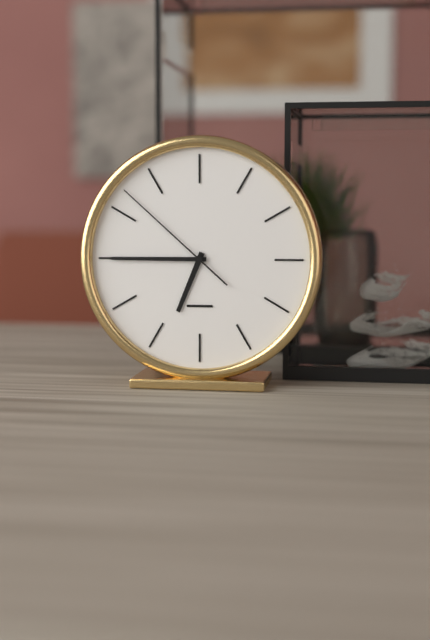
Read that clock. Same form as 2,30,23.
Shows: 6,45,52
